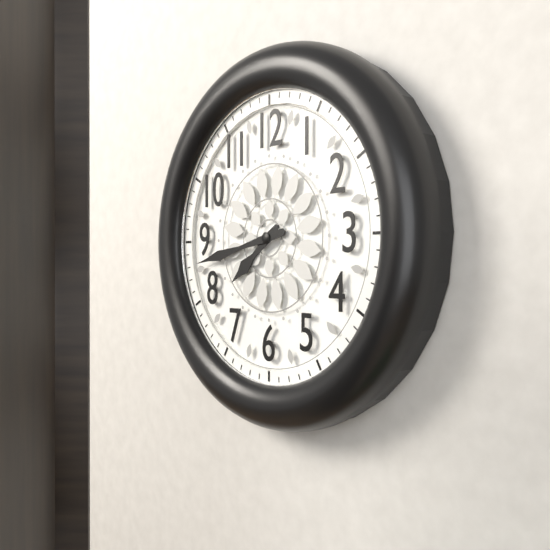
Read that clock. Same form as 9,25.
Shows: 7,43
